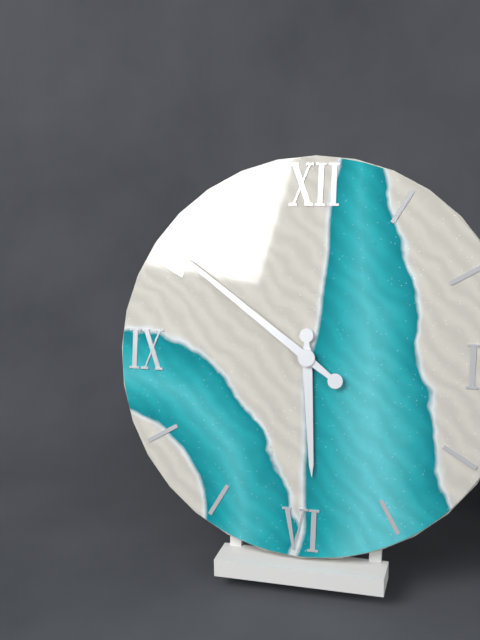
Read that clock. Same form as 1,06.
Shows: 5,51
